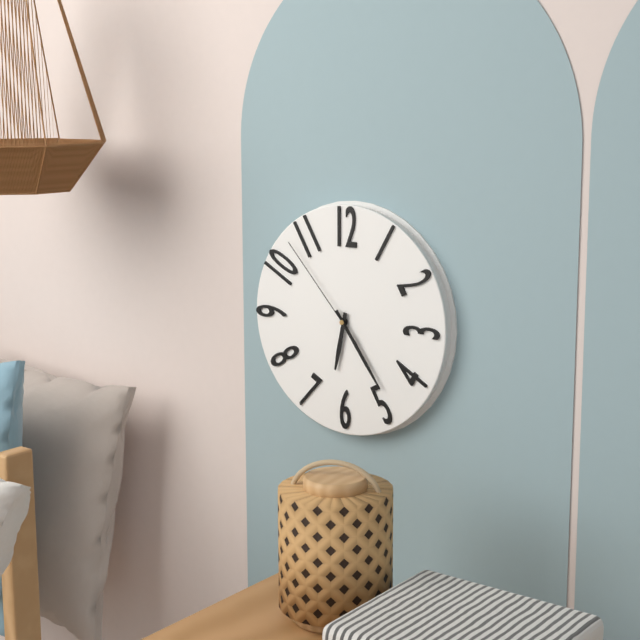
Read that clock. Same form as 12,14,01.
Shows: 6,24,53
